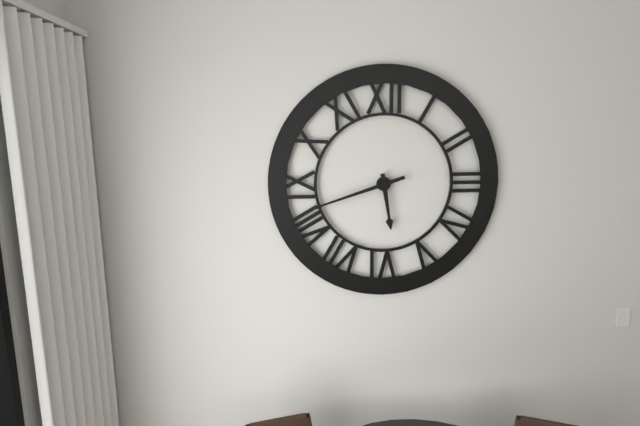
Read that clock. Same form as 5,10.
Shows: 5,42
